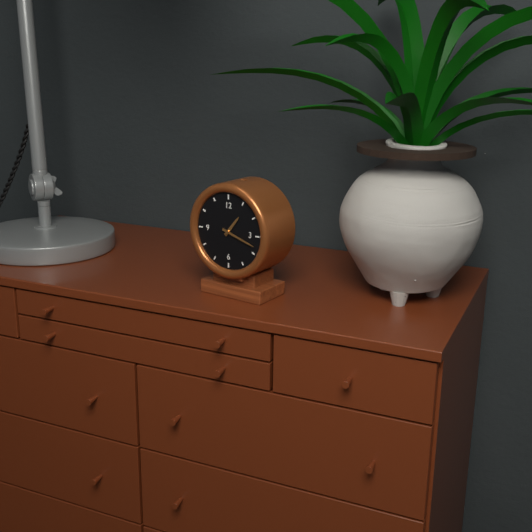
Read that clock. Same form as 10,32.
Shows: 1,18
